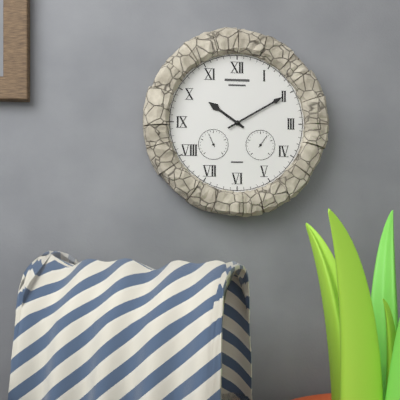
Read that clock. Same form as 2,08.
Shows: 10,10
